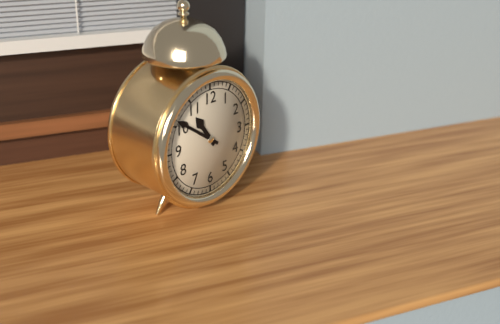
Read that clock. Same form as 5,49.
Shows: 10,51
